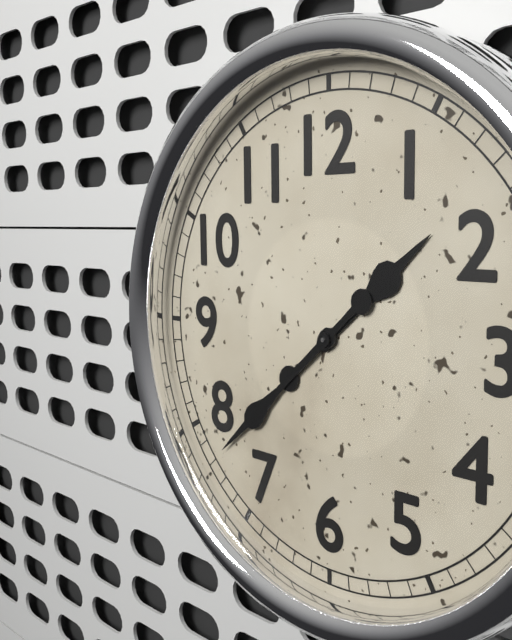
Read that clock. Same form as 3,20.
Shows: 1,38
